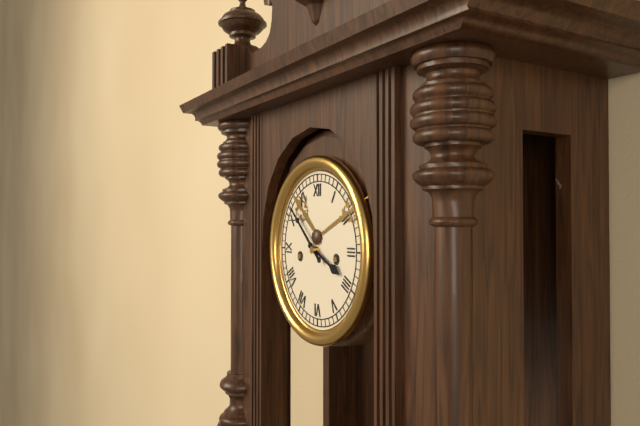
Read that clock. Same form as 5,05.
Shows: 3,52
